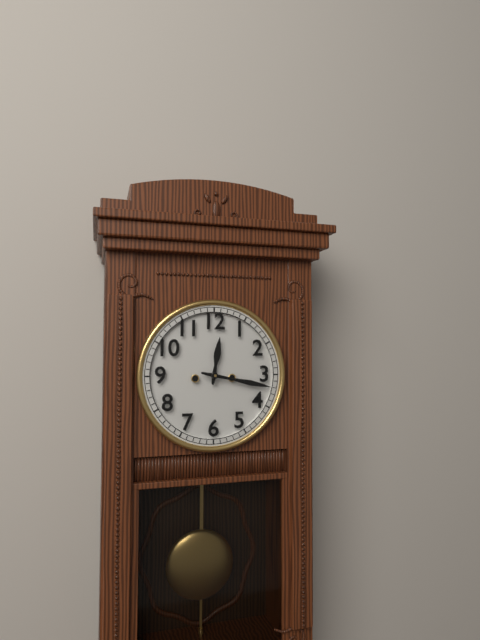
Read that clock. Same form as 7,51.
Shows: 12,17
